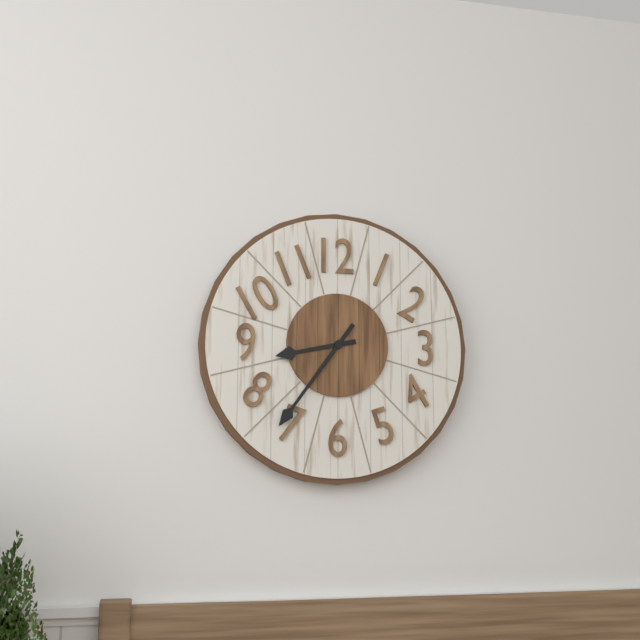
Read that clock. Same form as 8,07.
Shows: 8,36
